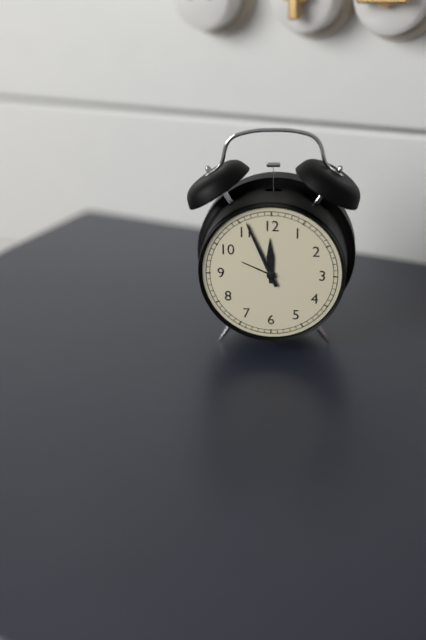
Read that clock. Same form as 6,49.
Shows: 11,56
